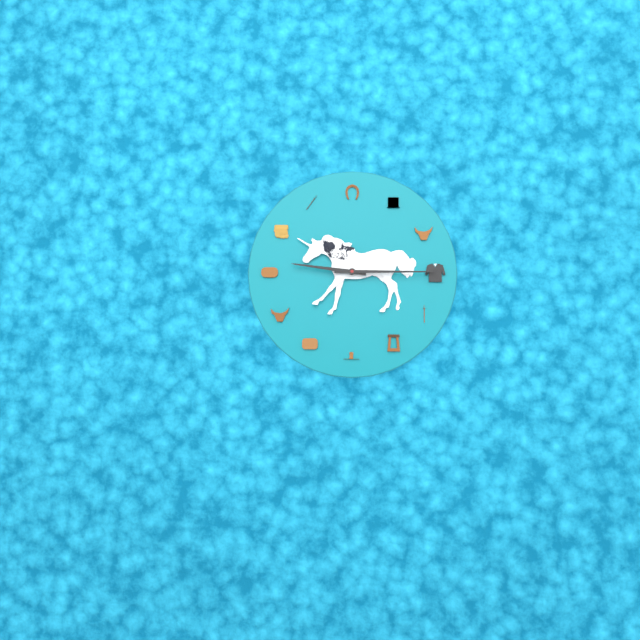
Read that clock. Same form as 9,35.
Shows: 9,15
